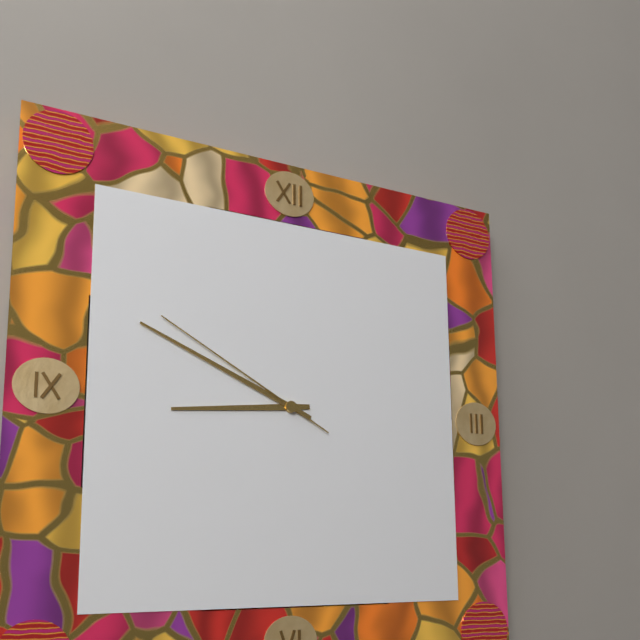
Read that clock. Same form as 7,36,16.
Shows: 8,49,50
